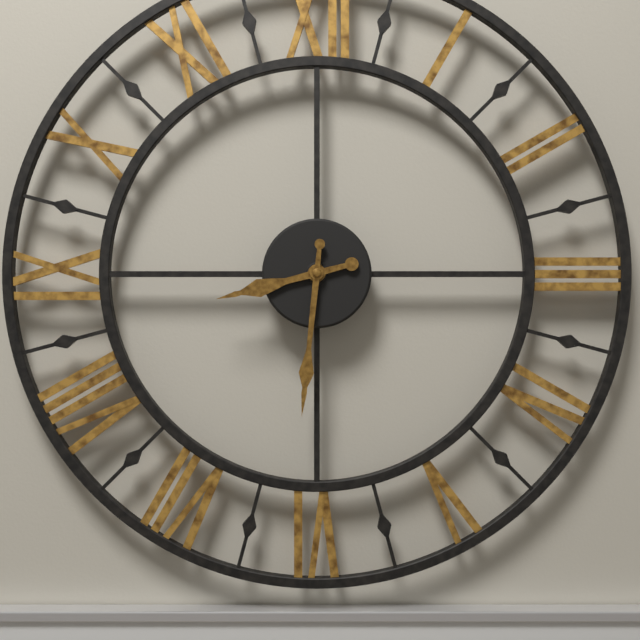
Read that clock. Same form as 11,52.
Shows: 8,31
